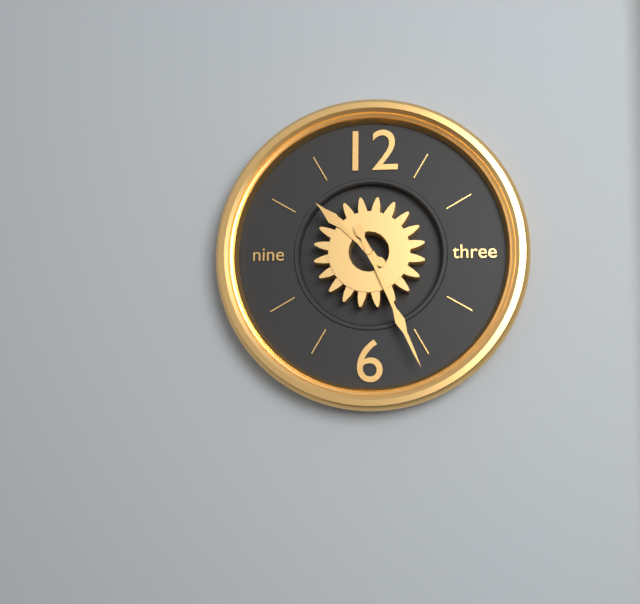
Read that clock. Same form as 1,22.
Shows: 10,26
